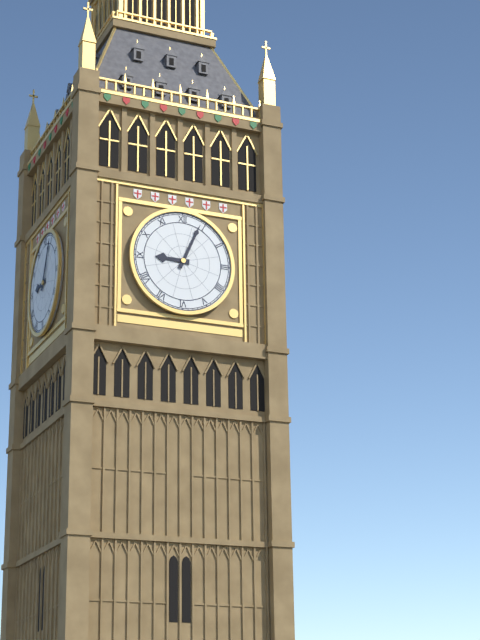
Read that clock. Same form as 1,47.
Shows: 9,04
